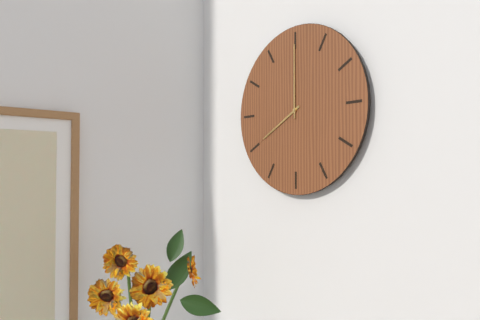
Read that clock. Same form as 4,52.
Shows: 8,00
